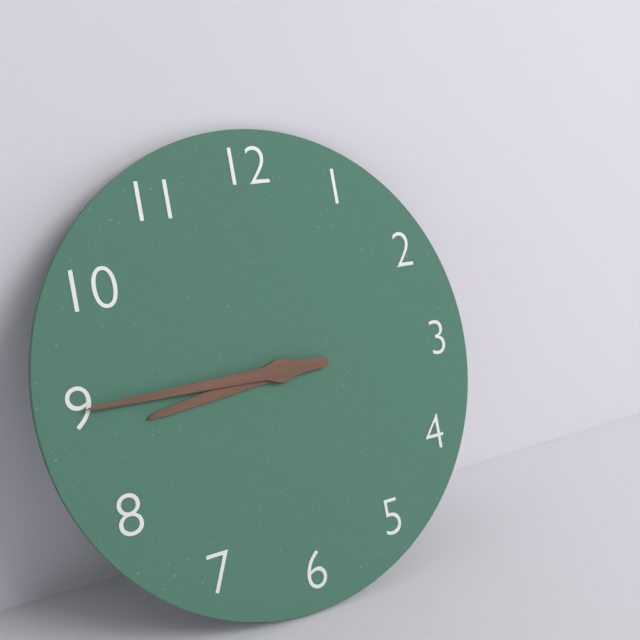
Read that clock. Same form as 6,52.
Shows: 8,45
